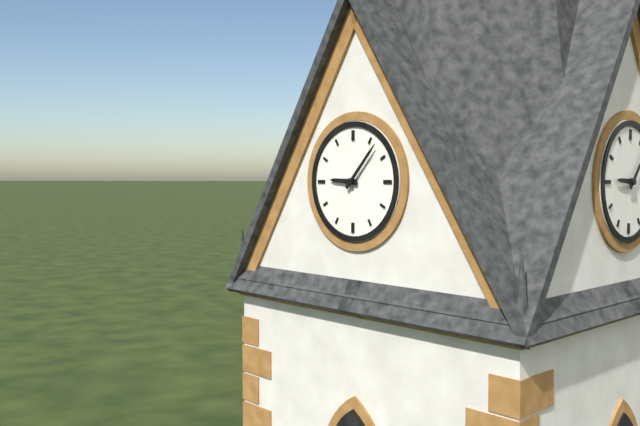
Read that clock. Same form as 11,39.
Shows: 9,07
